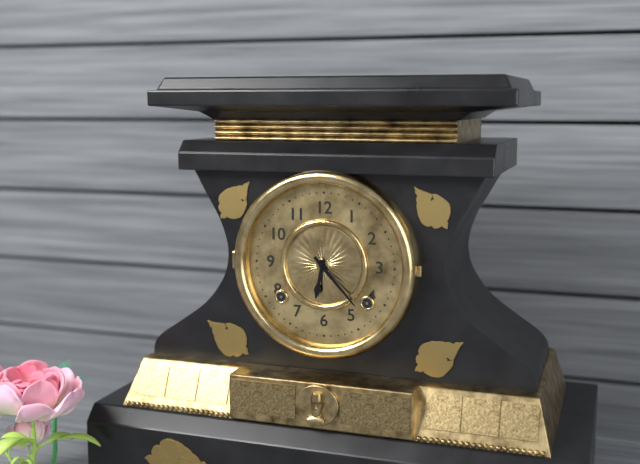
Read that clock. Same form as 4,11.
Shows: 6,23
